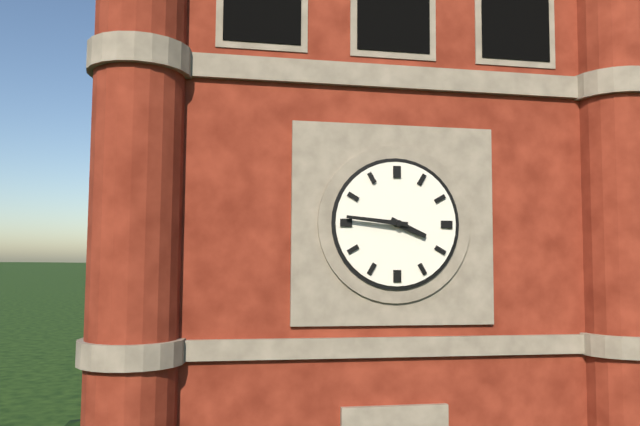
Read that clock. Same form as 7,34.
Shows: 3,46
